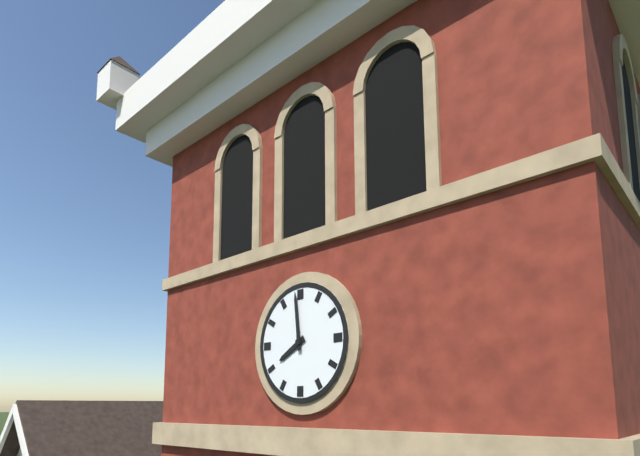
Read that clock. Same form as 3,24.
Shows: 7,59
